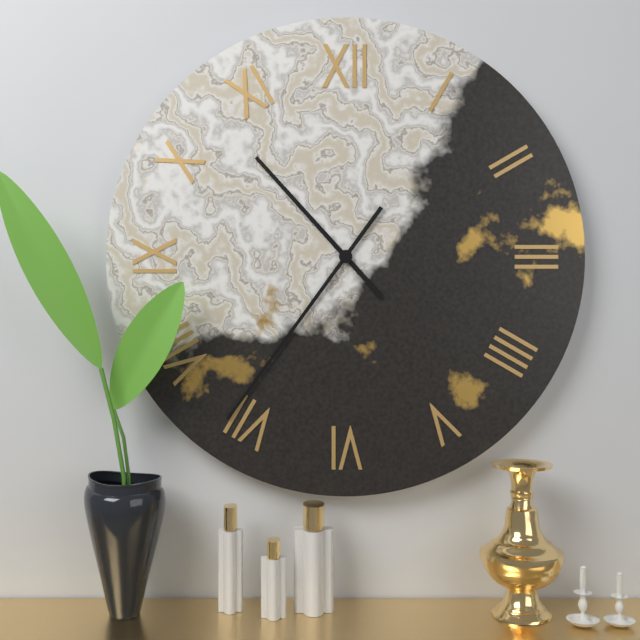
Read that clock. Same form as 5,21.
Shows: 10,36
